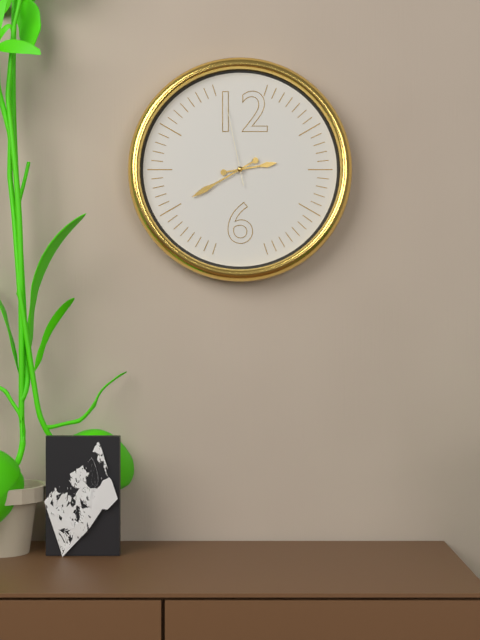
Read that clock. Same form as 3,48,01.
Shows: 2,40,58
